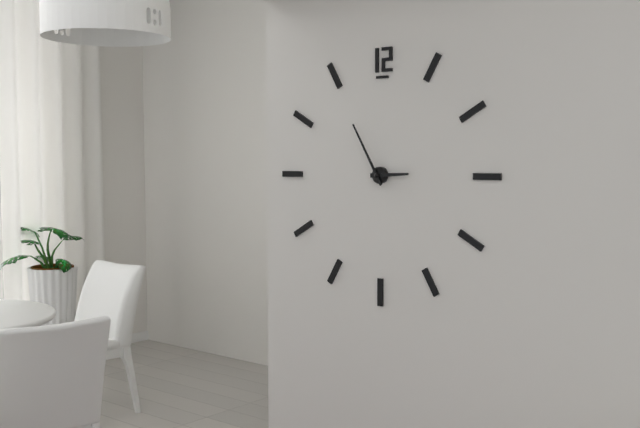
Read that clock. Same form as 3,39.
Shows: 2,55
